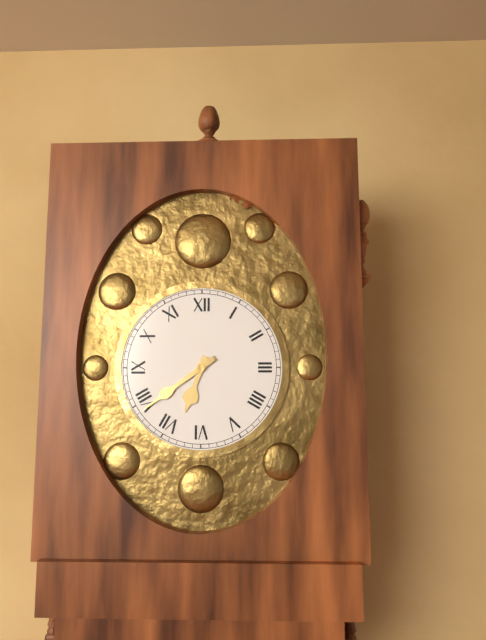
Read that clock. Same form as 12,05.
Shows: 6,39
